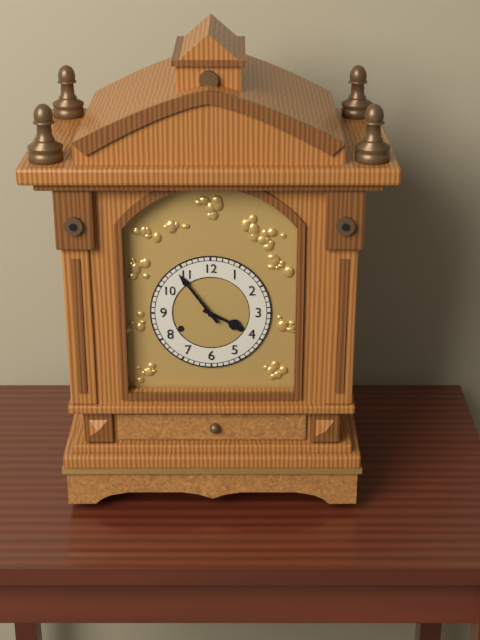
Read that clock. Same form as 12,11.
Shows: 3,54
